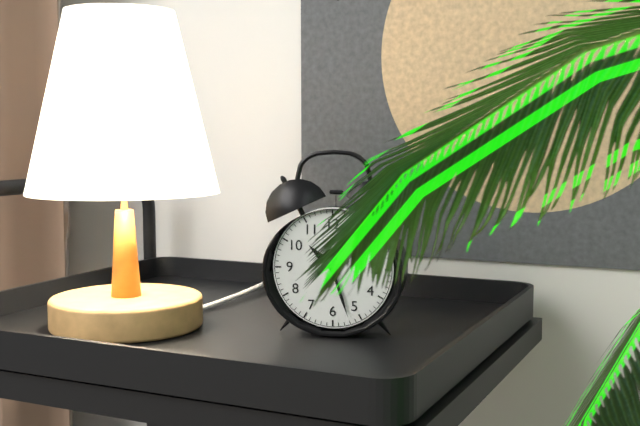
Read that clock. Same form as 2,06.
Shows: 10,27
